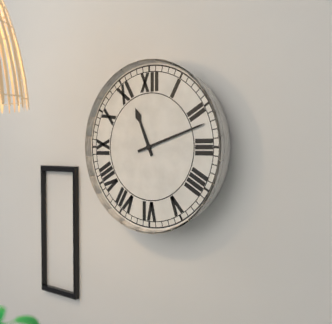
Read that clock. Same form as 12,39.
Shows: 11,12
